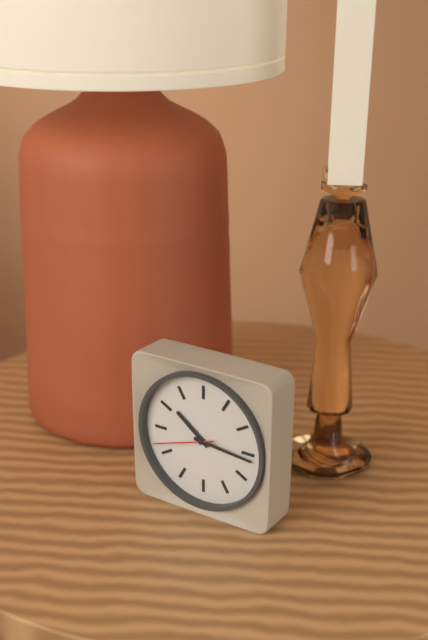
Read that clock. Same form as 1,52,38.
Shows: 10,16,42
